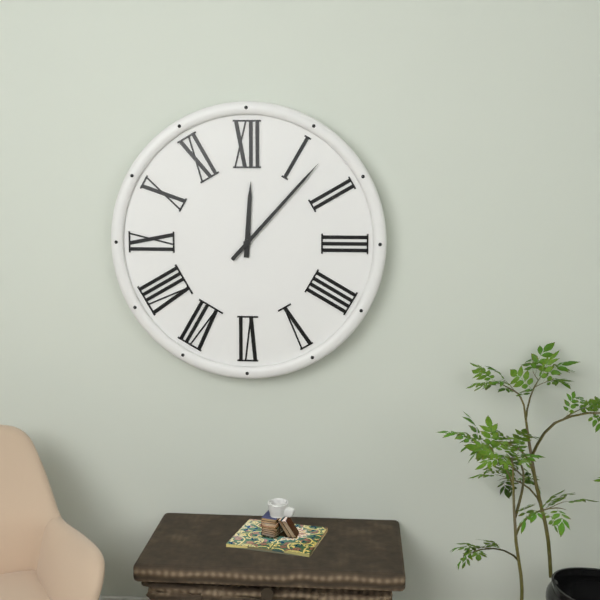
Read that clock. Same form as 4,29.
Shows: 12,07
